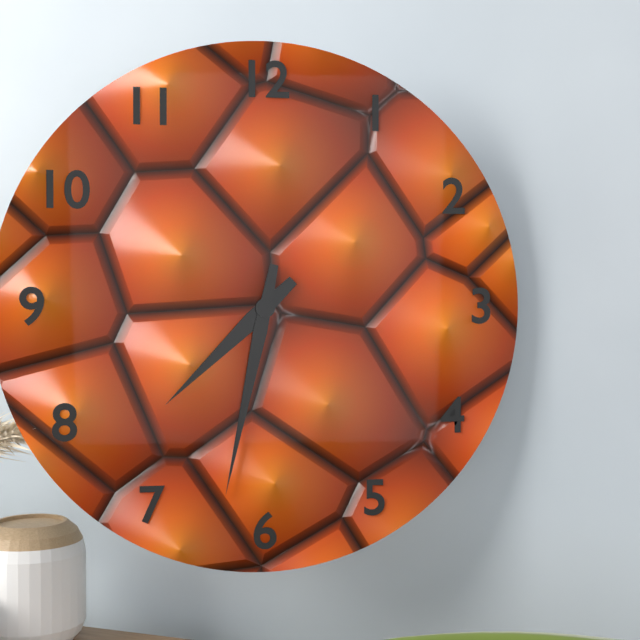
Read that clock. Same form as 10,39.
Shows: 7,32
